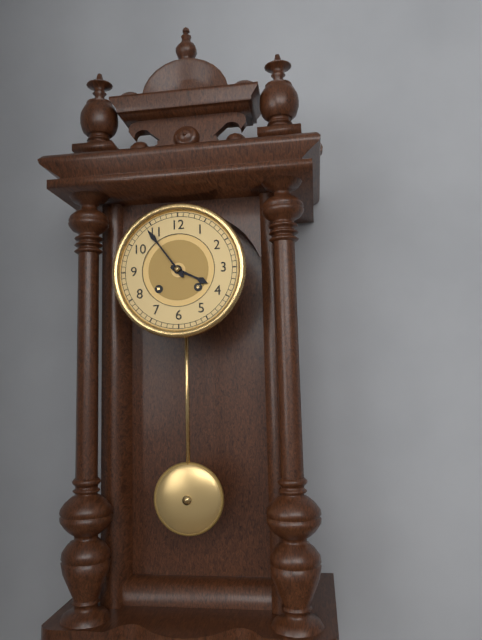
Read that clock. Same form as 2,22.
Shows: 3,54
